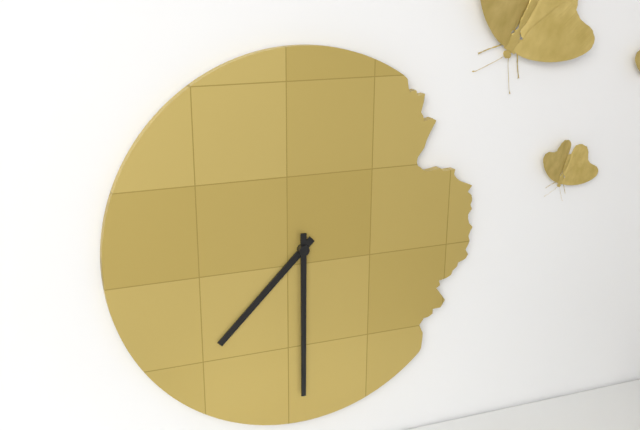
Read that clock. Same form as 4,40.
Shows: 7,30
